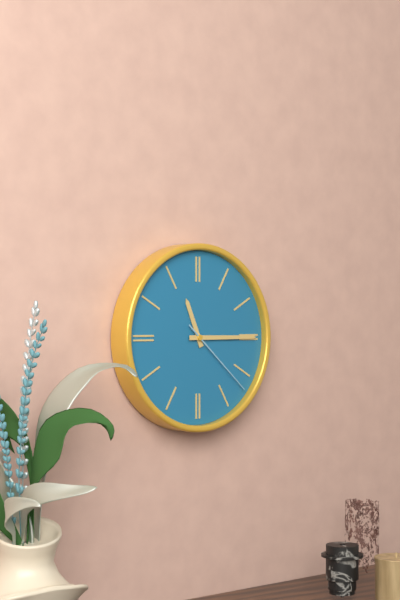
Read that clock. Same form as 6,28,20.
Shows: 11,15,22
